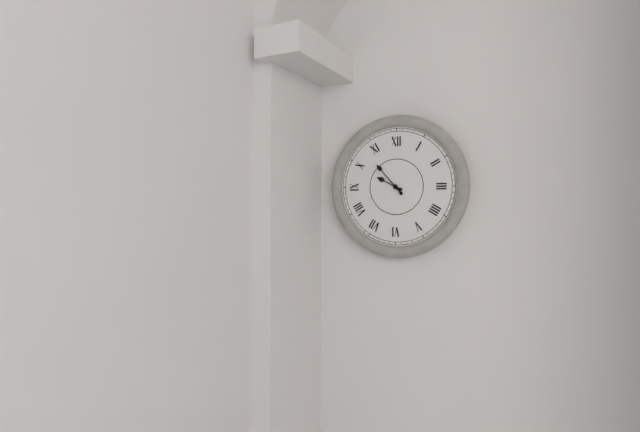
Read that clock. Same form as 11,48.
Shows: 9,53
